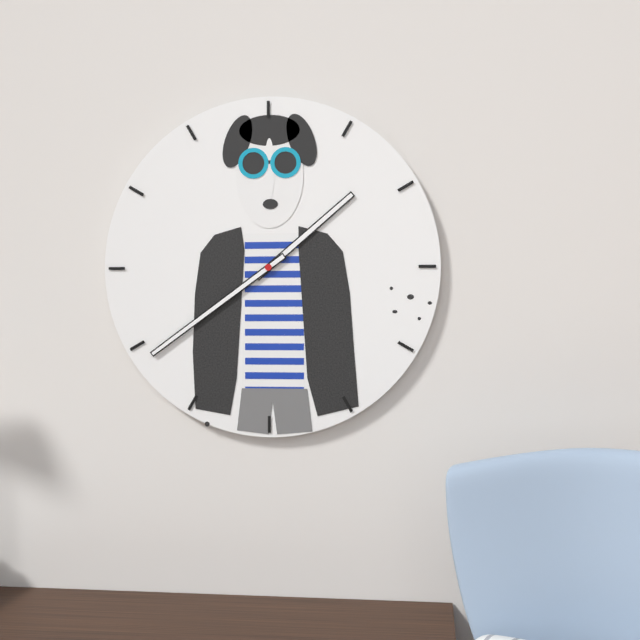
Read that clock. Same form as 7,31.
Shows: 1,39
